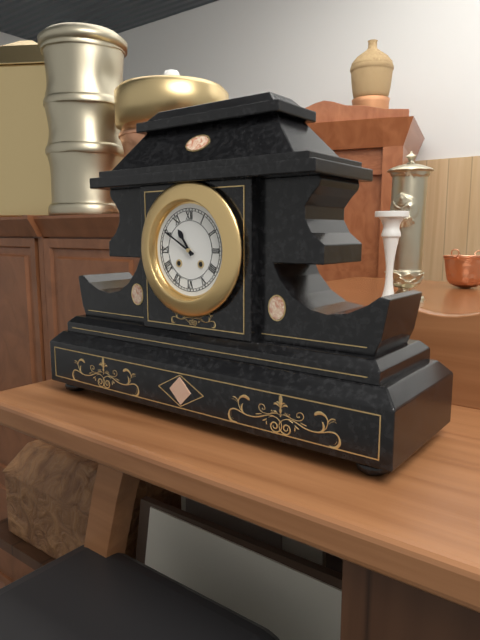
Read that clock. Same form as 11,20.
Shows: 10,50
